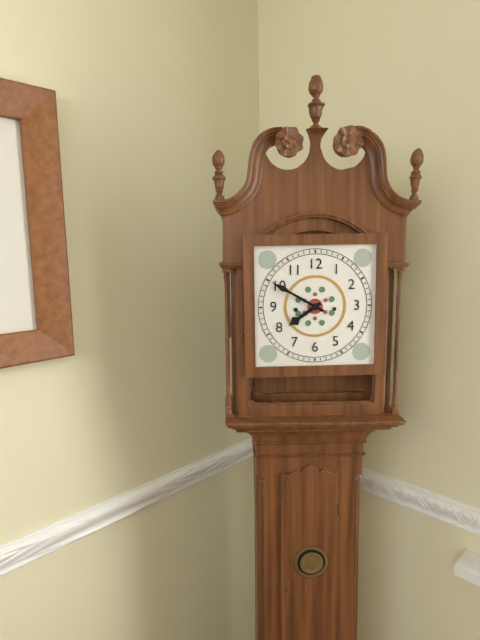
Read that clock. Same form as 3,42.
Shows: 7,50
